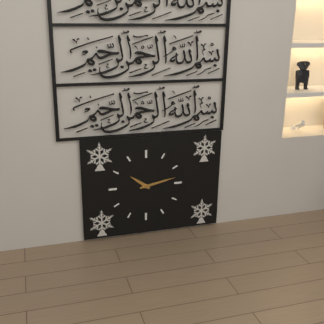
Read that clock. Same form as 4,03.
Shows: 10,13
